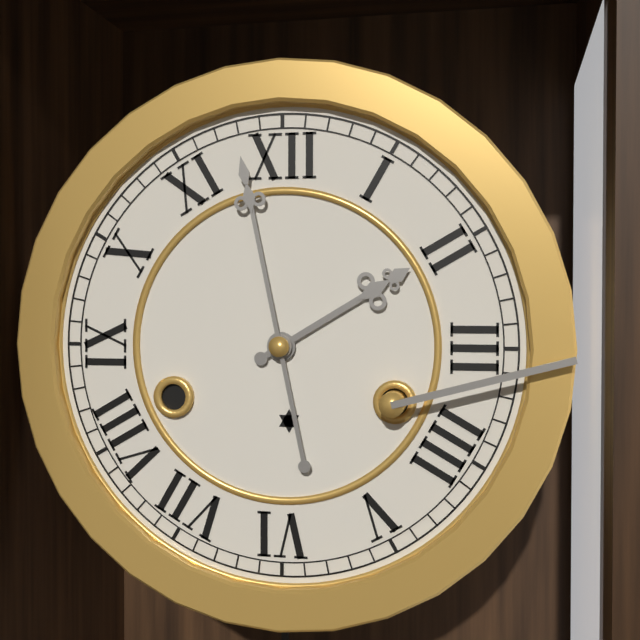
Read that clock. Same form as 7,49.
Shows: 1,58
